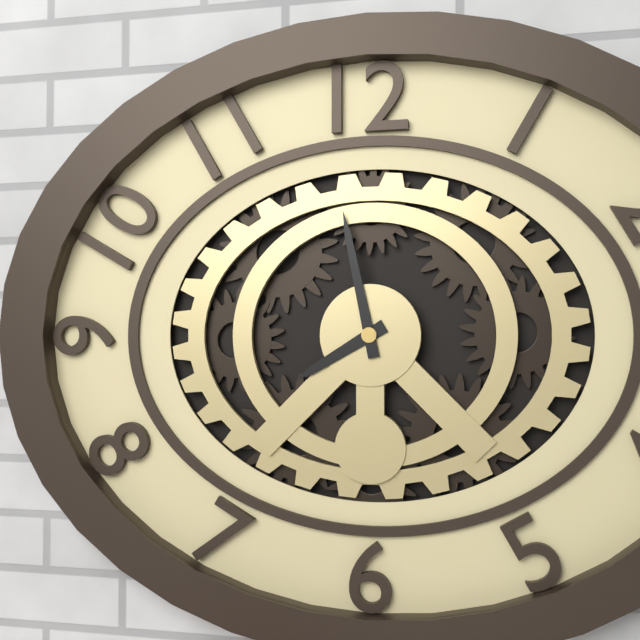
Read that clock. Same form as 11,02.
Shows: 7,58
